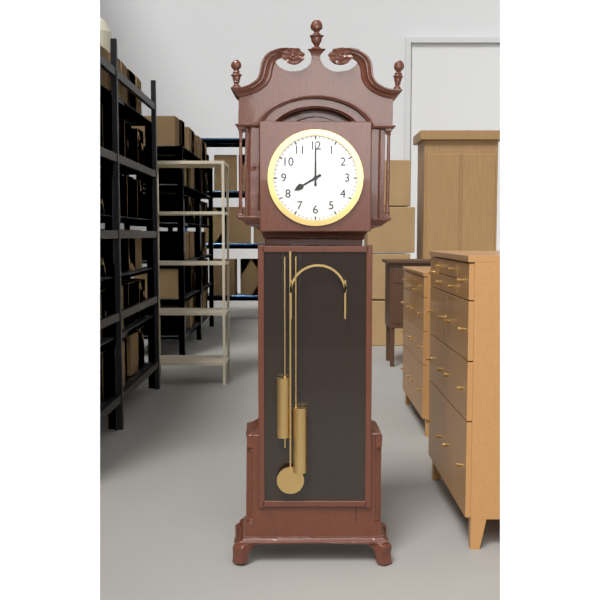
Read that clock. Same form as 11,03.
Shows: 8,00
